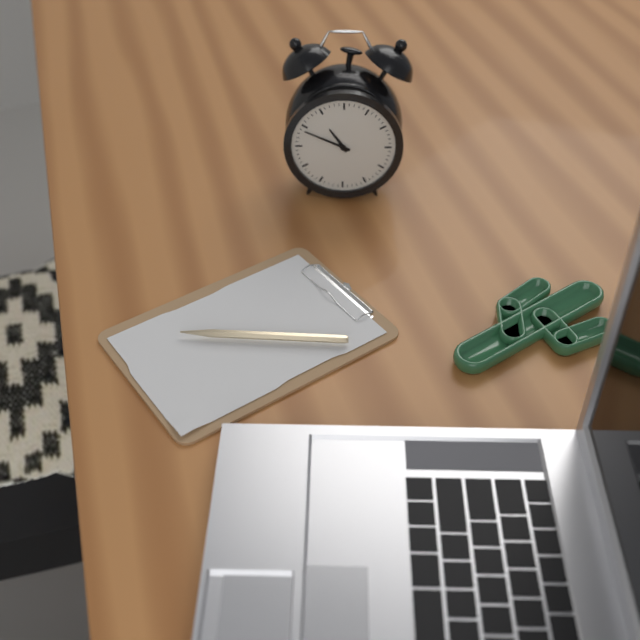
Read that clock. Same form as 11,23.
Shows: 10,49
